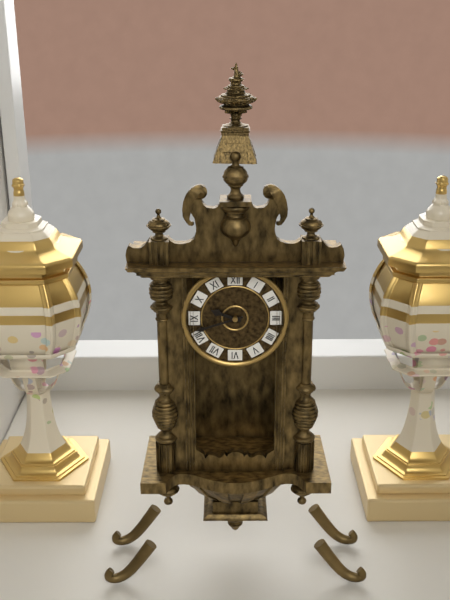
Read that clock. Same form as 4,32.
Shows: 9,42
